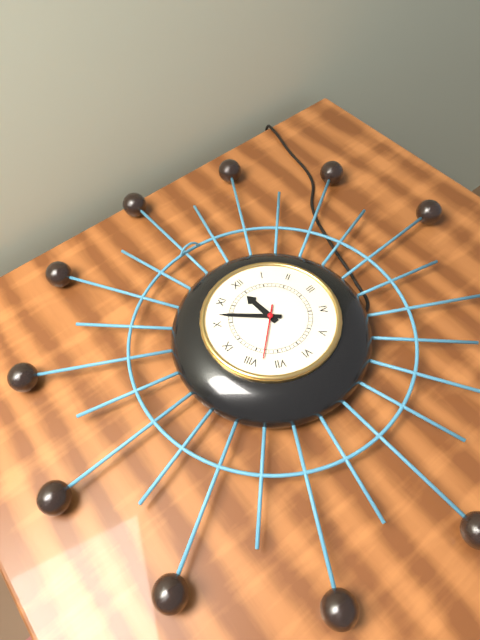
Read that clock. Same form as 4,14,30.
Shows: 11,52,38
